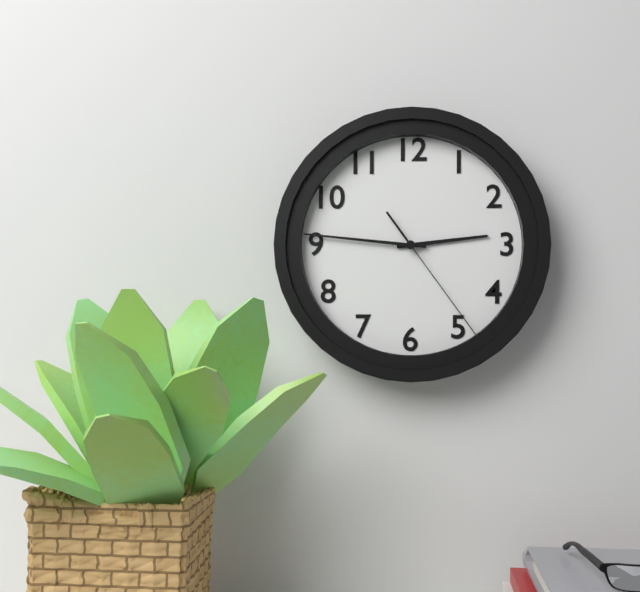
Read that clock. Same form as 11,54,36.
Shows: 2,46,24
